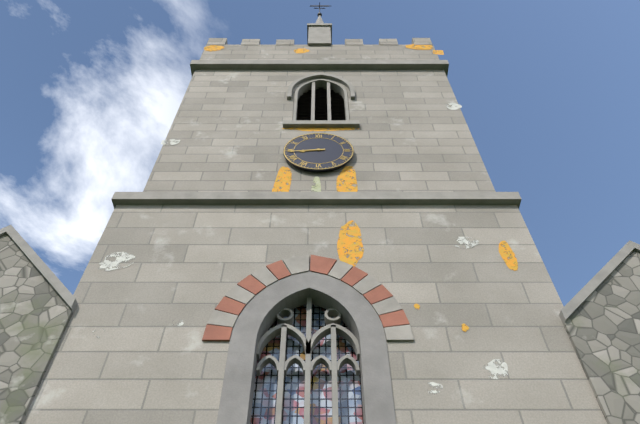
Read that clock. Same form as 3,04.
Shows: 8,44
